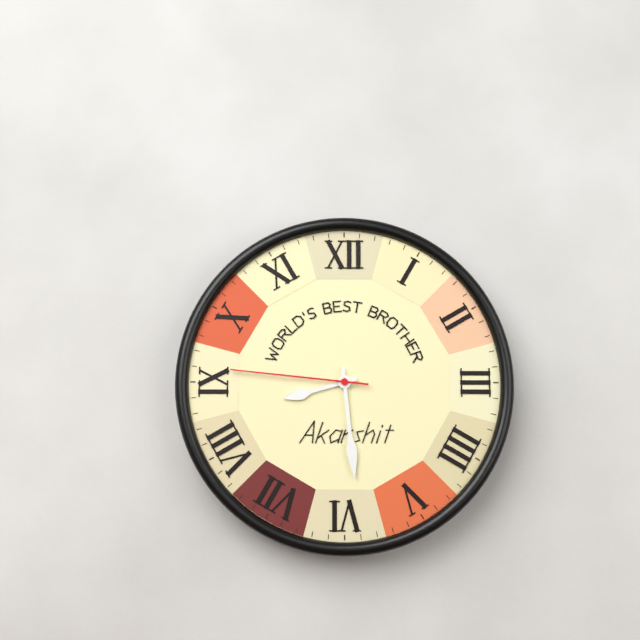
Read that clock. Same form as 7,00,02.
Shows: 8,29,46
